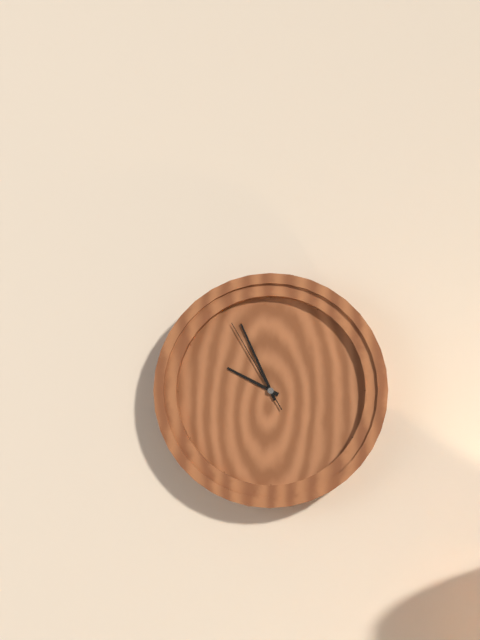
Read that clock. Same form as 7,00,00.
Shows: 9,56,55
